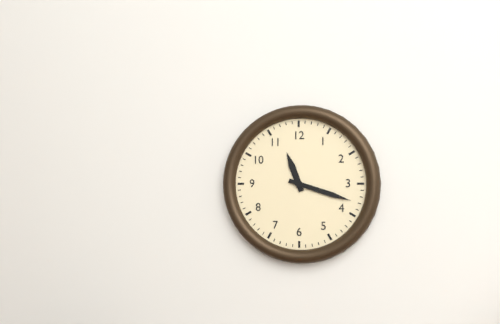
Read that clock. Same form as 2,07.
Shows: 11,18
